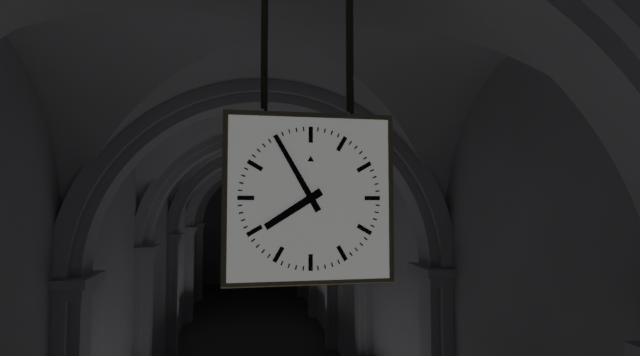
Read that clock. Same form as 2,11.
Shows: 7,55
